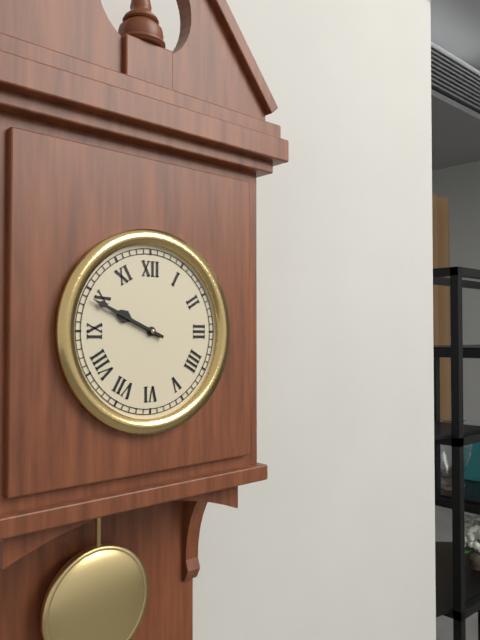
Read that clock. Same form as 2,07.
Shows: 9,49
